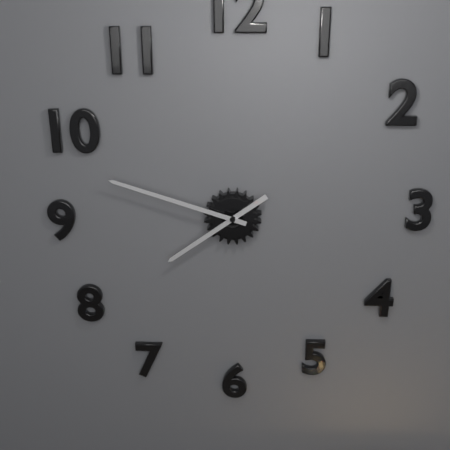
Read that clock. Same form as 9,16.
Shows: 7,48
